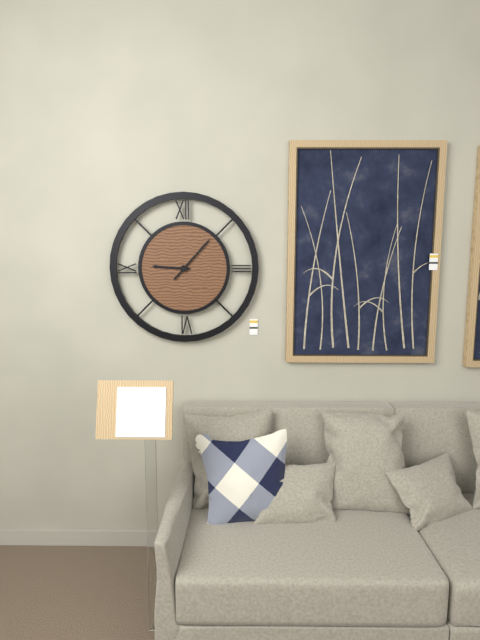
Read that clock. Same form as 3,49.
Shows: 9,07
